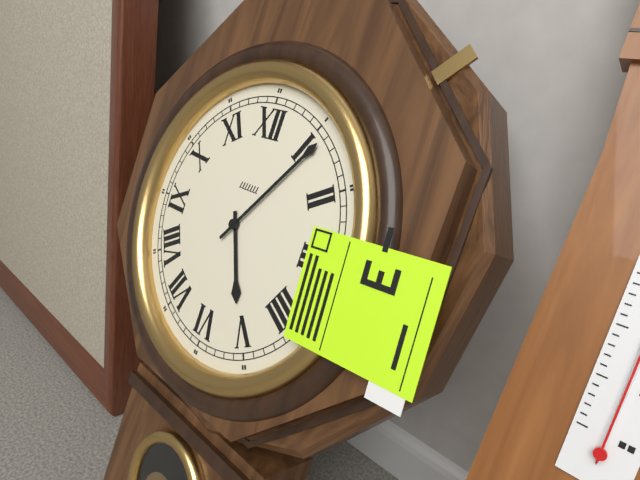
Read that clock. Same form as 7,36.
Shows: 5,06
